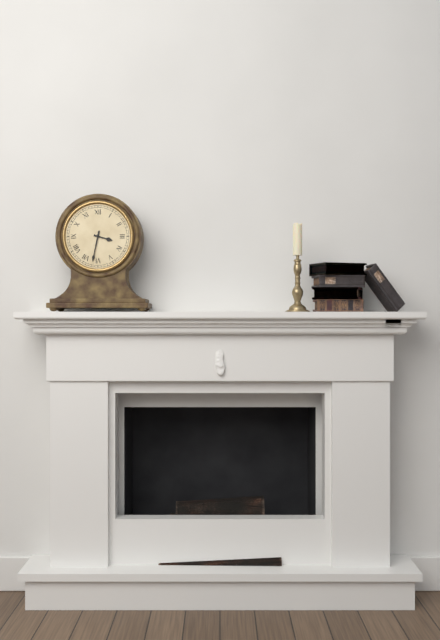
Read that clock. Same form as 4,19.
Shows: 3,32
